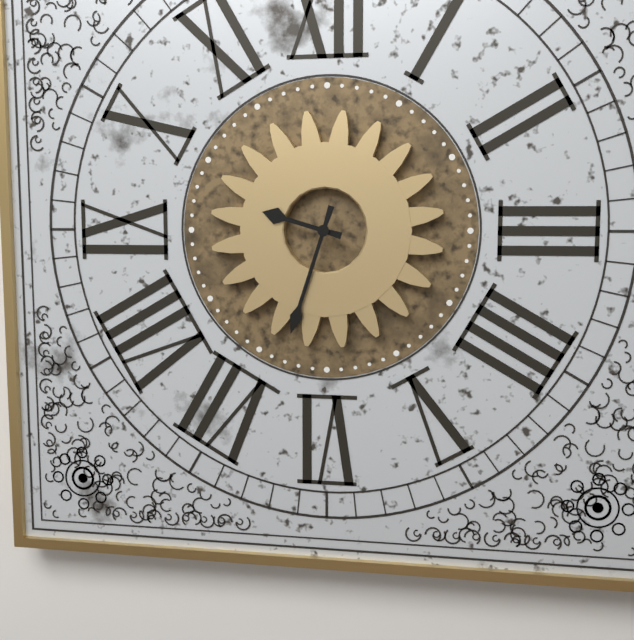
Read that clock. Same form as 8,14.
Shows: 9,33
